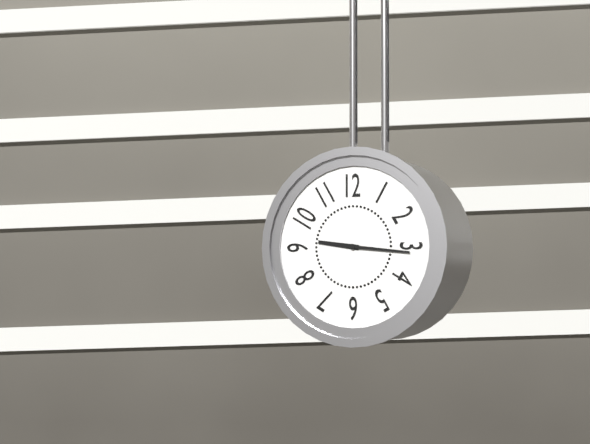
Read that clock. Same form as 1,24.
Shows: 9,16
